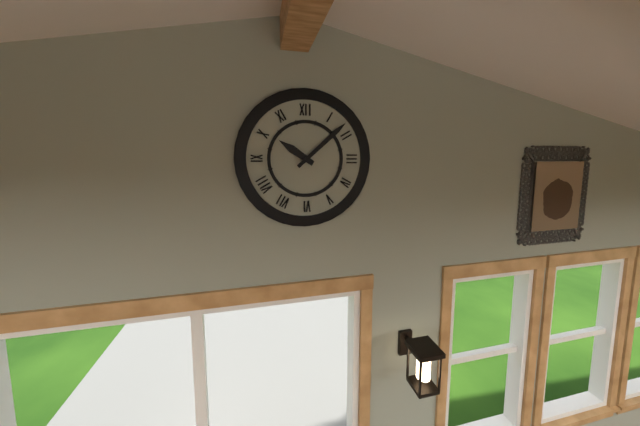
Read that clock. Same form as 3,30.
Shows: 10,08
